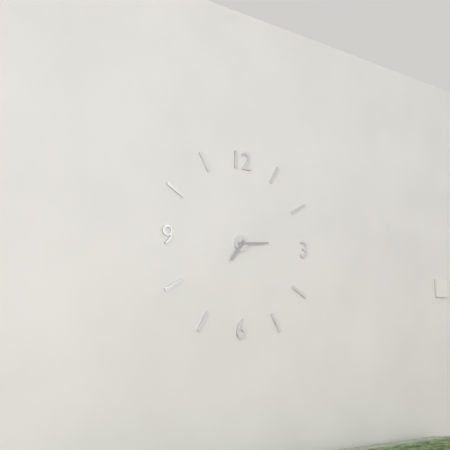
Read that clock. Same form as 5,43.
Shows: 7,14
